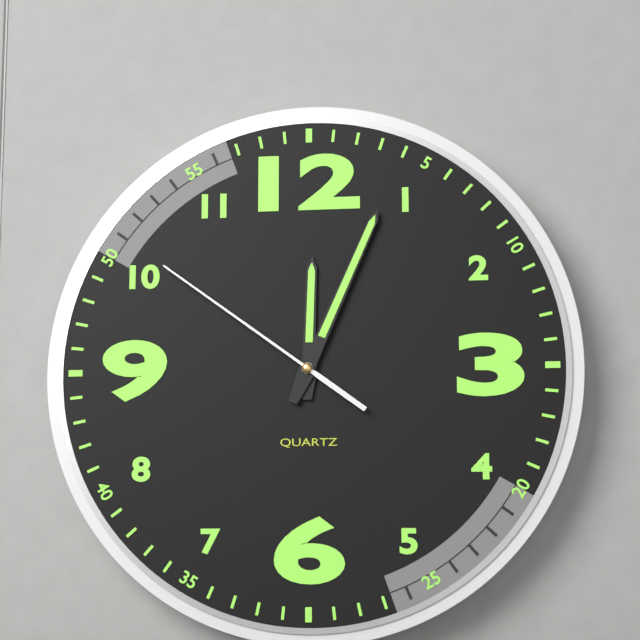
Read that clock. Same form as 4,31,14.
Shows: 12,04,51
